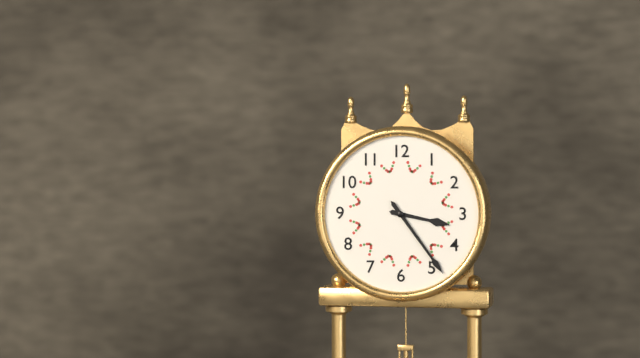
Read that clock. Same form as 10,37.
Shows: 3,24
